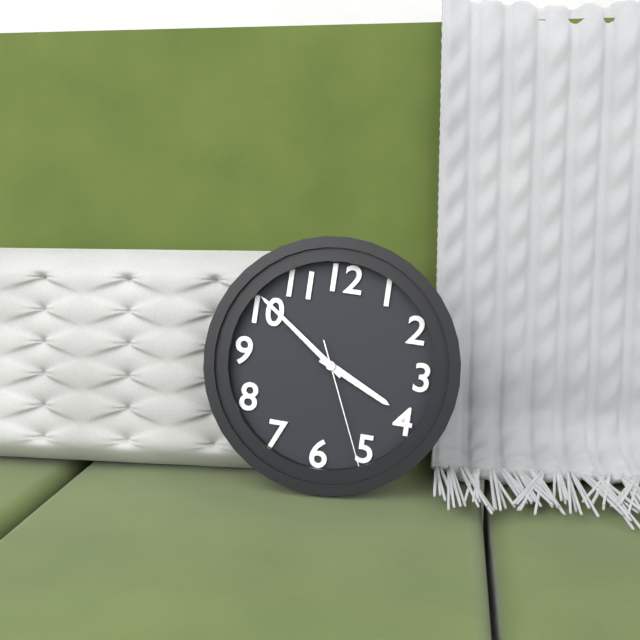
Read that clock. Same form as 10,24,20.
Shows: 3,51,26
